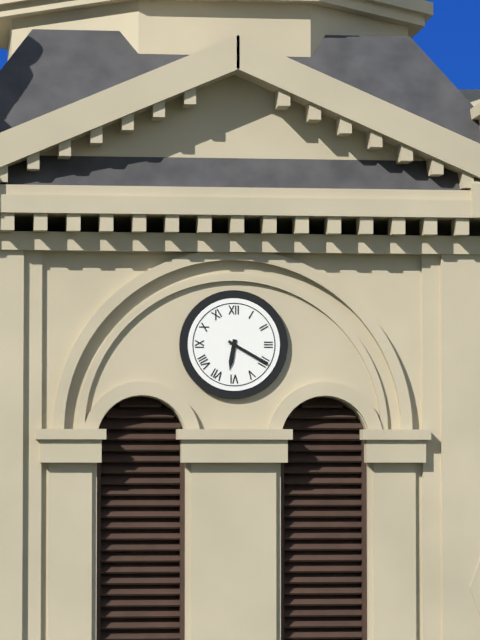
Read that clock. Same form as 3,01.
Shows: 6,20
